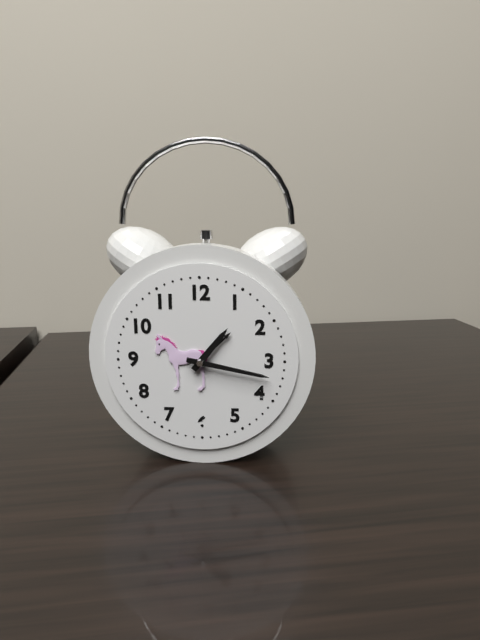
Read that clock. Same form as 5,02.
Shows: 1,17
